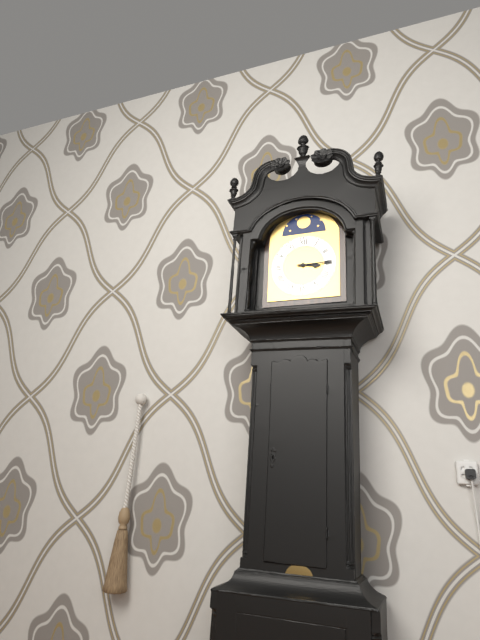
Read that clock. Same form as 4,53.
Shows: 3,15
